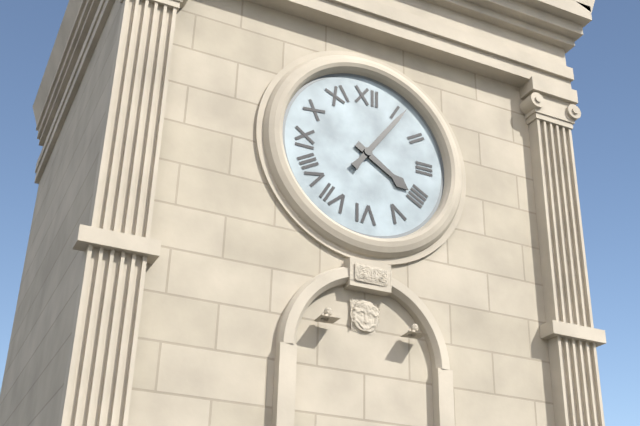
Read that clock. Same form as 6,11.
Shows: 4,06
